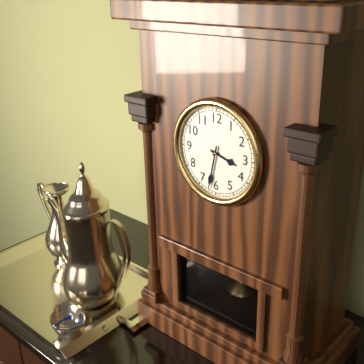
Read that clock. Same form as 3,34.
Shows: 3,32
